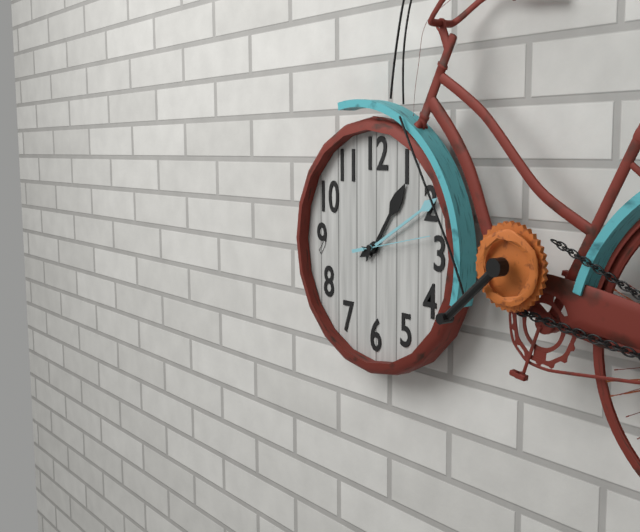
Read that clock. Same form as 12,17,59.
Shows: 1,10,13
